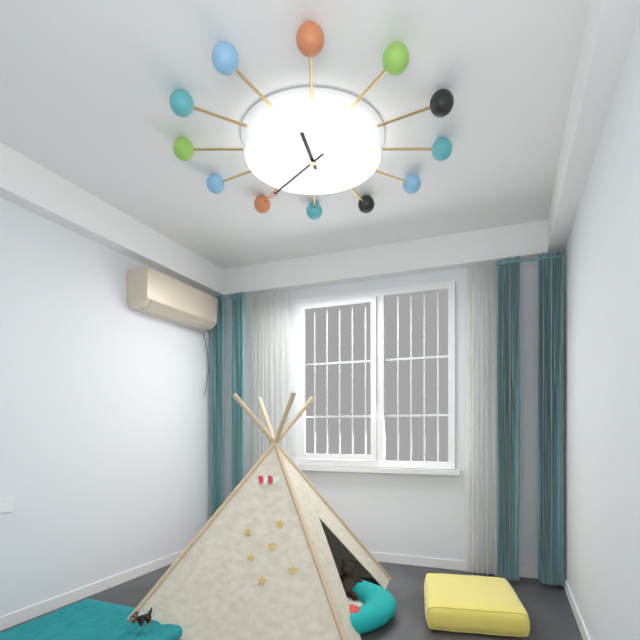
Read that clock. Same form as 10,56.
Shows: 11,36
